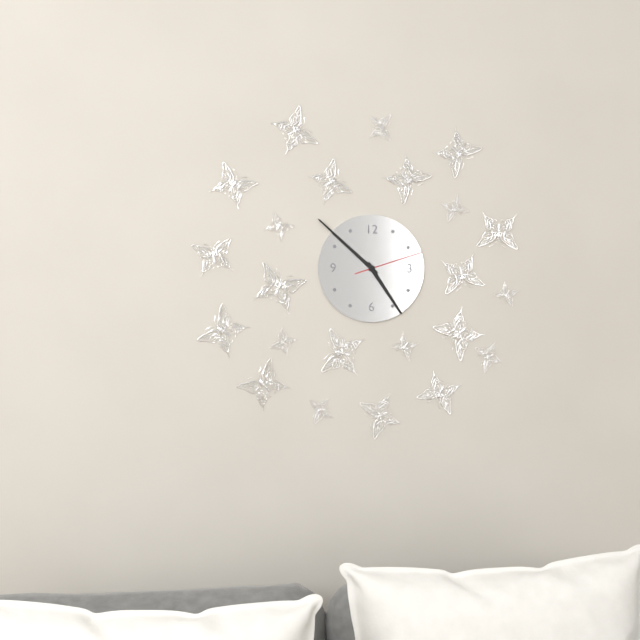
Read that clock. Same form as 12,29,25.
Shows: 4,52,12
